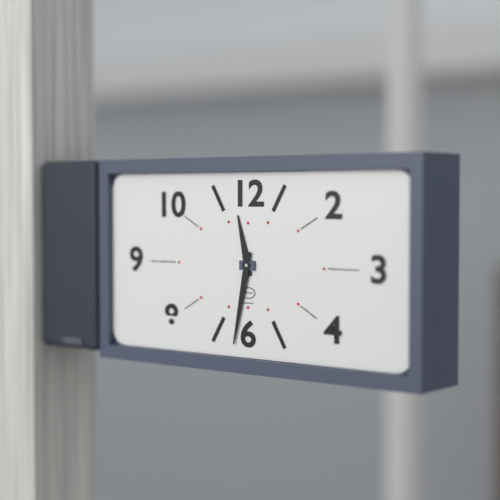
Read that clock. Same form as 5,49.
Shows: 11,32
